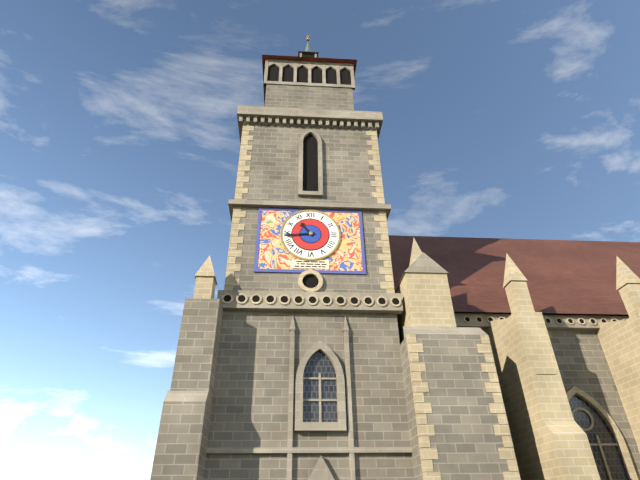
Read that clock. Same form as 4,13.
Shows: 10,44
